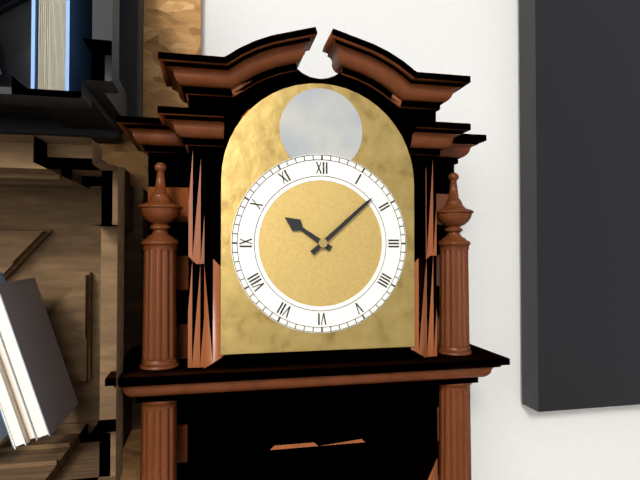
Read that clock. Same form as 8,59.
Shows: 10,08
